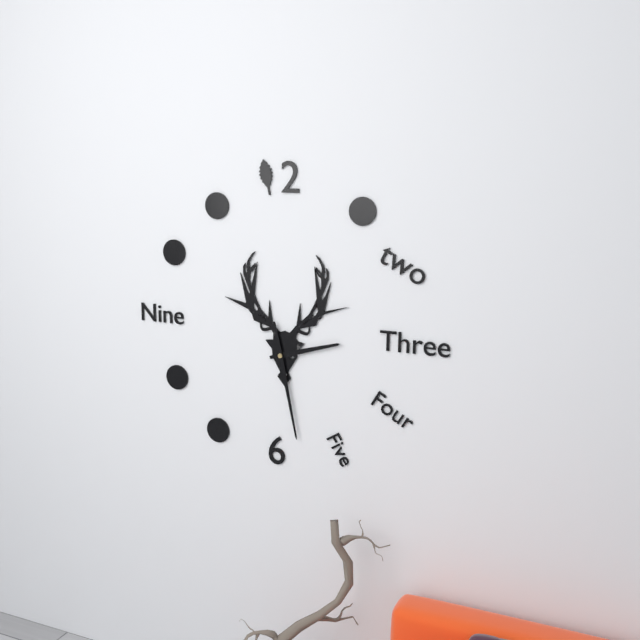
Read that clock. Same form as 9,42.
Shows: 2,28
